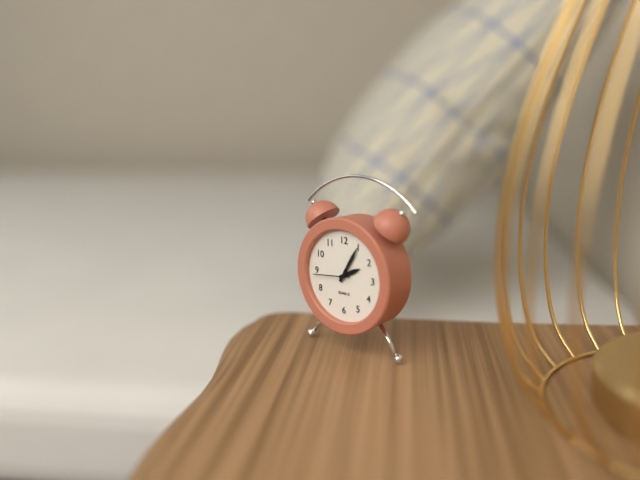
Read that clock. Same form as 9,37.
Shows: 2,05
